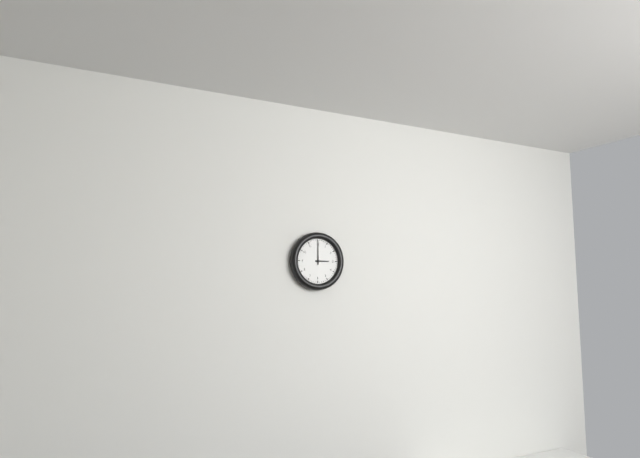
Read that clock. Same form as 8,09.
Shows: 3,00
